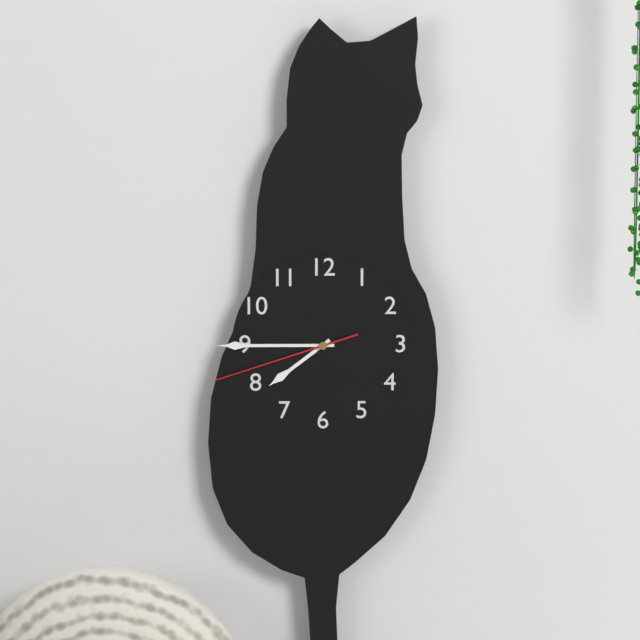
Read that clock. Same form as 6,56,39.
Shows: 7,45,42
